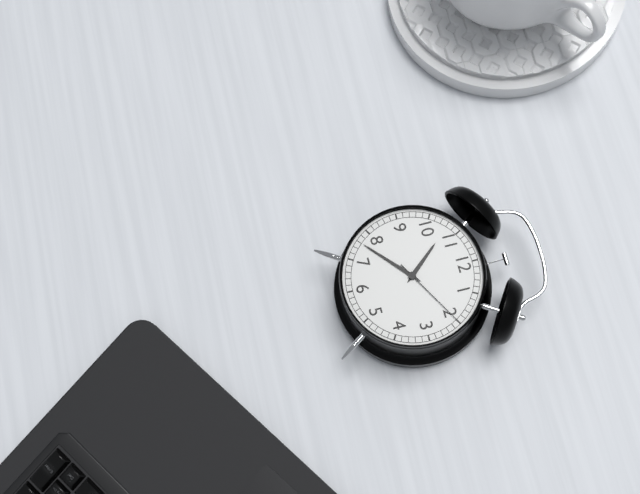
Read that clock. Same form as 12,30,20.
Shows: 10,38,10
